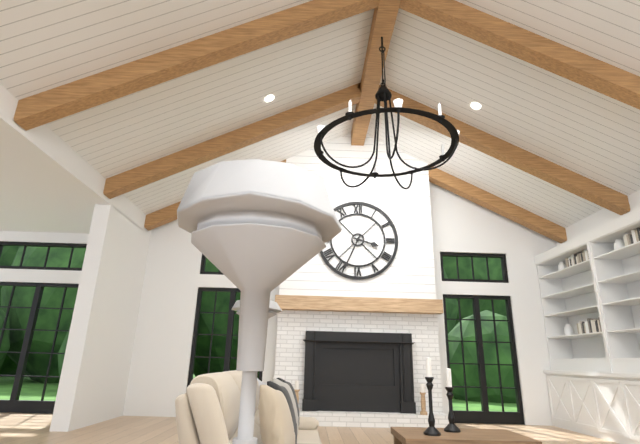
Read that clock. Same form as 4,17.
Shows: 3,34
